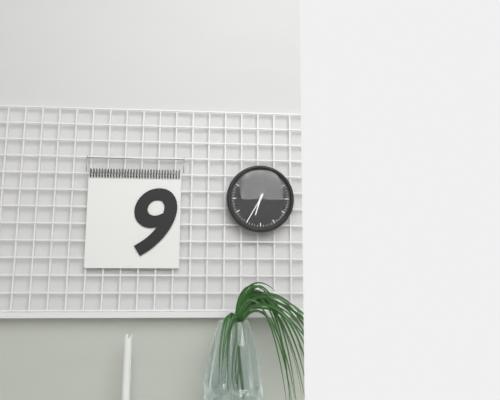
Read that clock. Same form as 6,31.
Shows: 6,35
